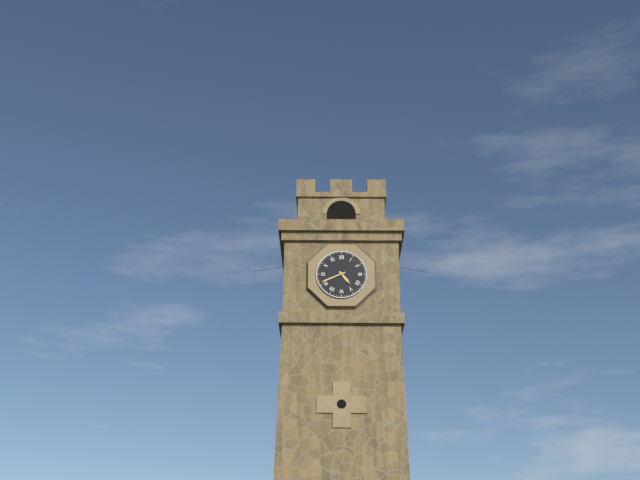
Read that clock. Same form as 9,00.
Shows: 4,41
